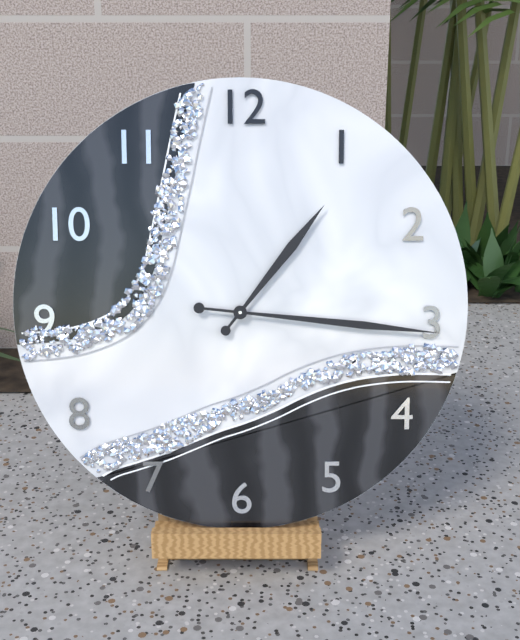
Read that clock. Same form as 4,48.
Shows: 1,16
